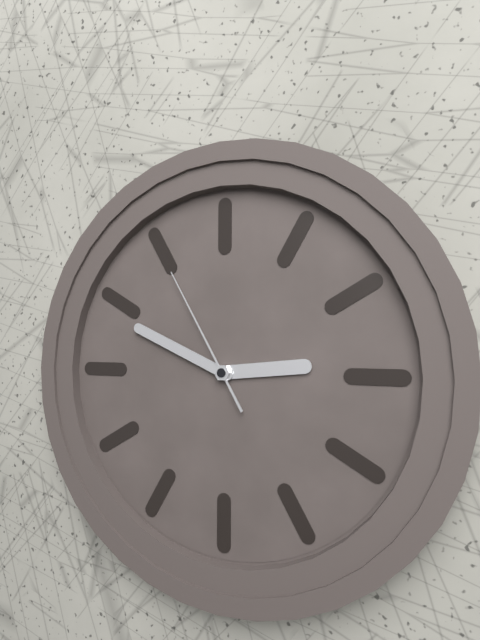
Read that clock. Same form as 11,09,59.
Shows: 2,49,55
